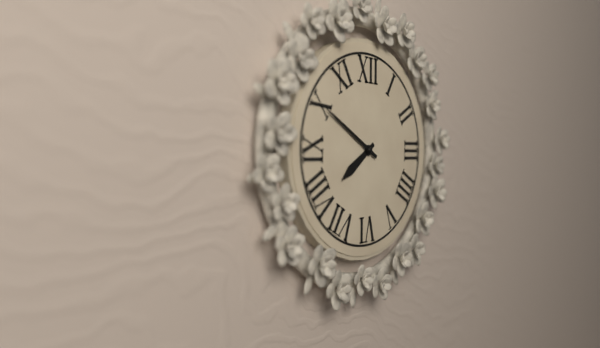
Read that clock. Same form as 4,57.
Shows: 7,50
